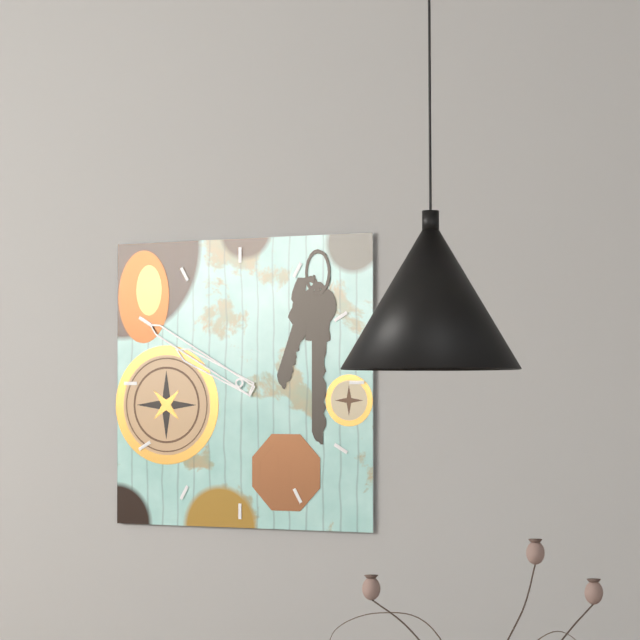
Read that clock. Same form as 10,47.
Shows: 9,50
